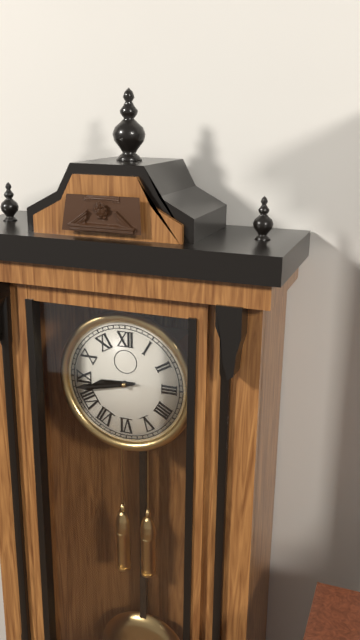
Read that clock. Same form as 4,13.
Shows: 8,43
